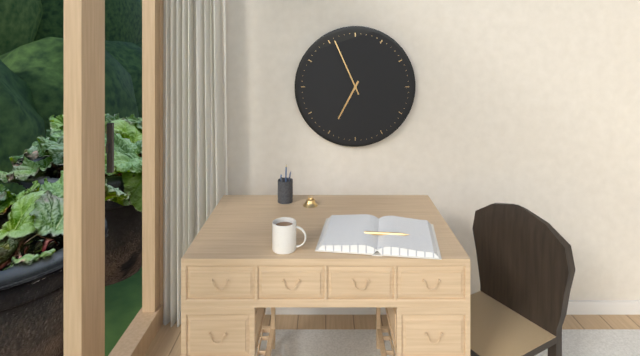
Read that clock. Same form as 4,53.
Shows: 6,56
